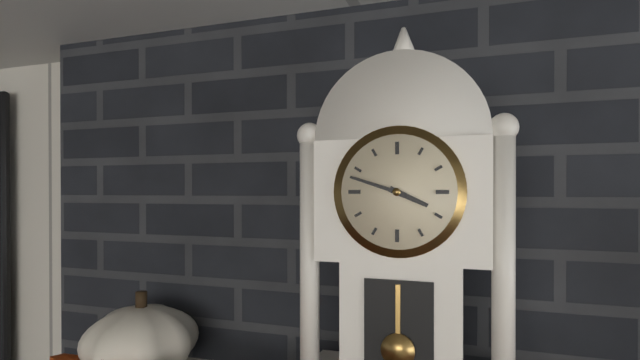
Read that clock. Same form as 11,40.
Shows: 3,48
